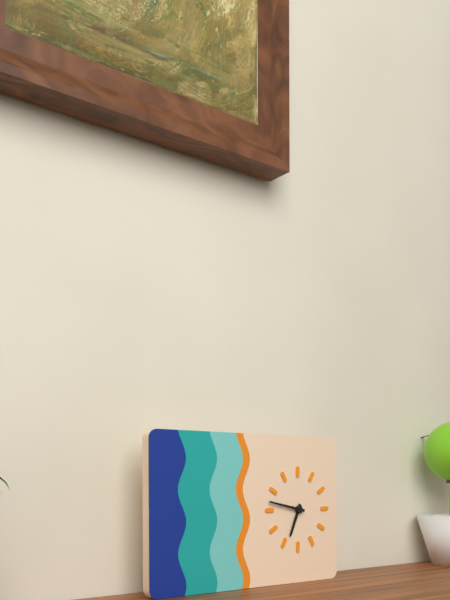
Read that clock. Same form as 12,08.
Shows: 6,47
